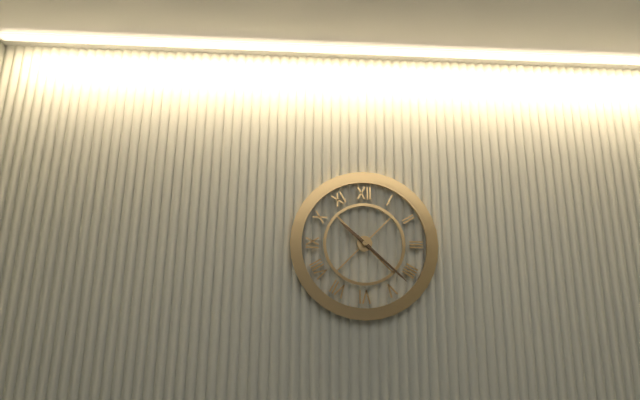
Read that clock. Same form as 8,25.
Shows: 10,22
